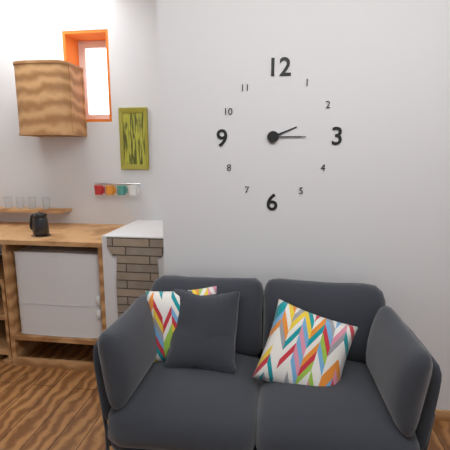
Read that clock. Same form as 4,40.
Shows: 2,15
